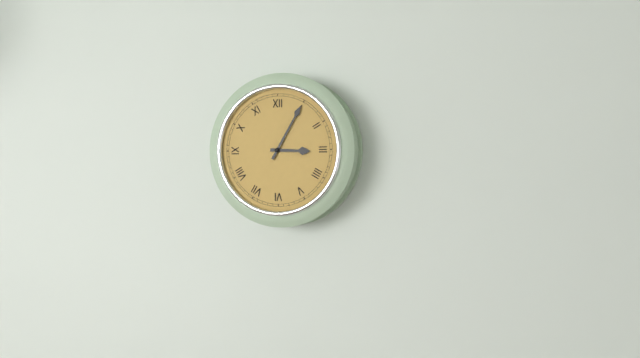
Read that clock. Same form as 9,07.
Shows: 3,05
